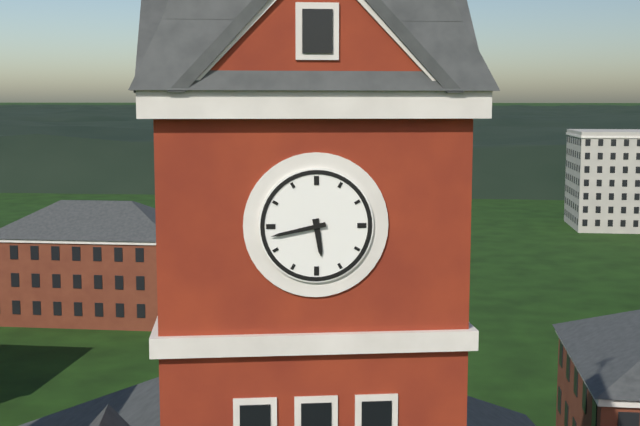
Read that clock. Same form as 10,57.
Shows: 5,43
